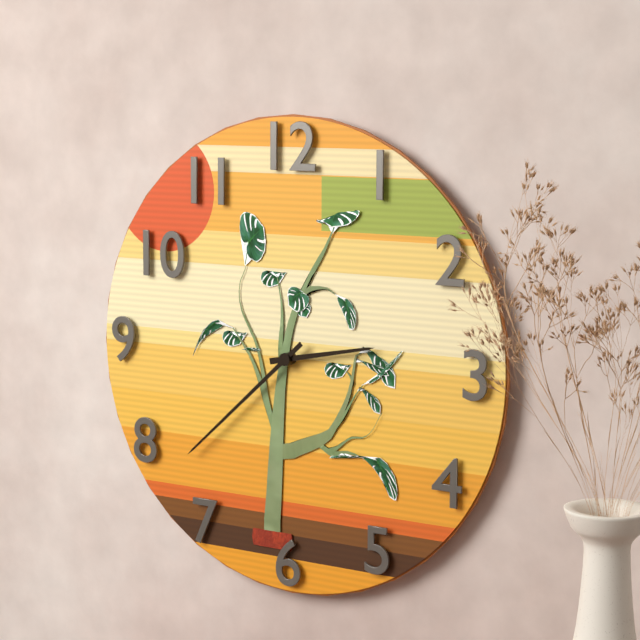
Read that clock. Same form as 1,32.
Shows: 2,38
